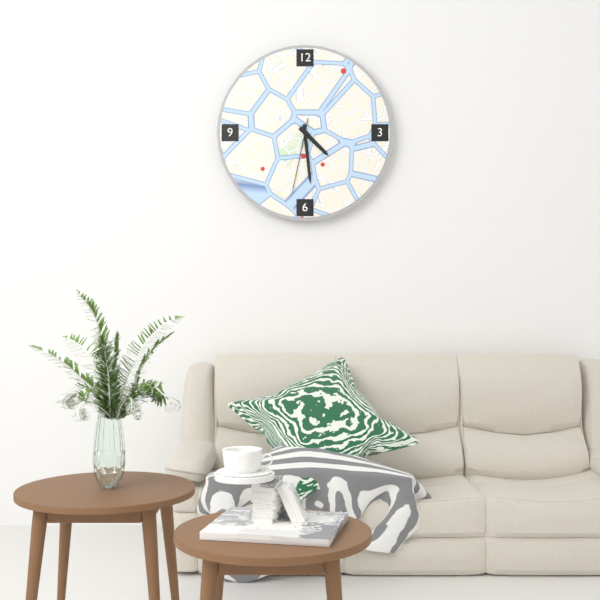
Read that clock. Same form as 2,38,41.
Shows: 4,29,32
